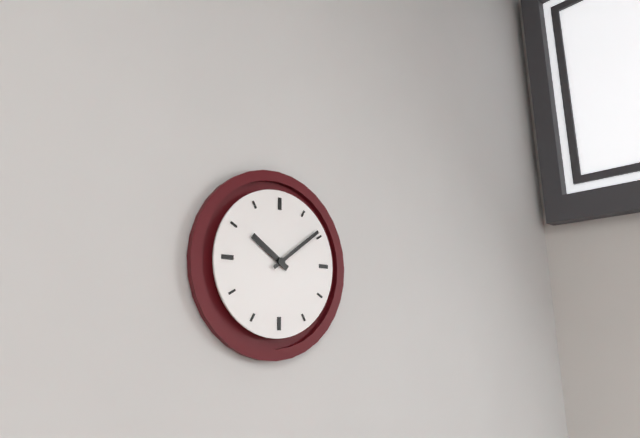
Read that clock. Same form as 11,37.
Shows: 10,09
